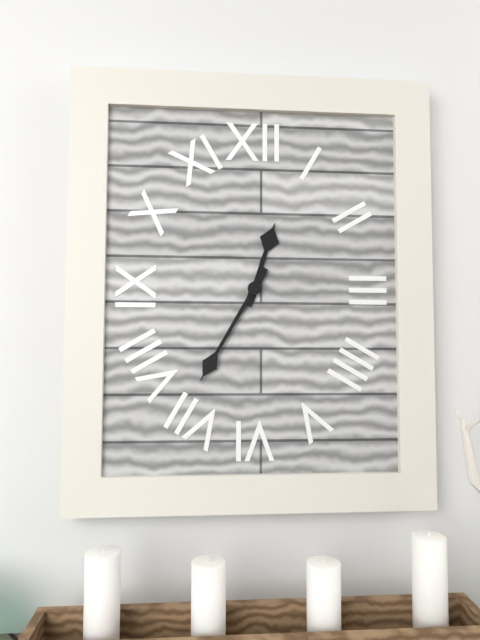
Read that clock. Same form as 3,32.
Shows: 12,35
